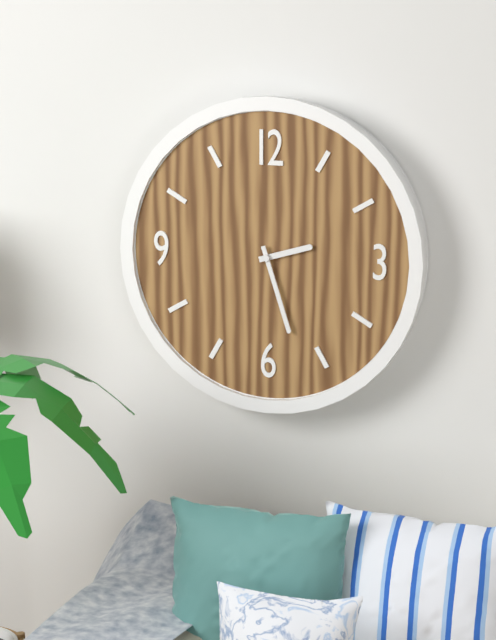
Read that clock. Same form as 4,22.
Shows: 2,27
